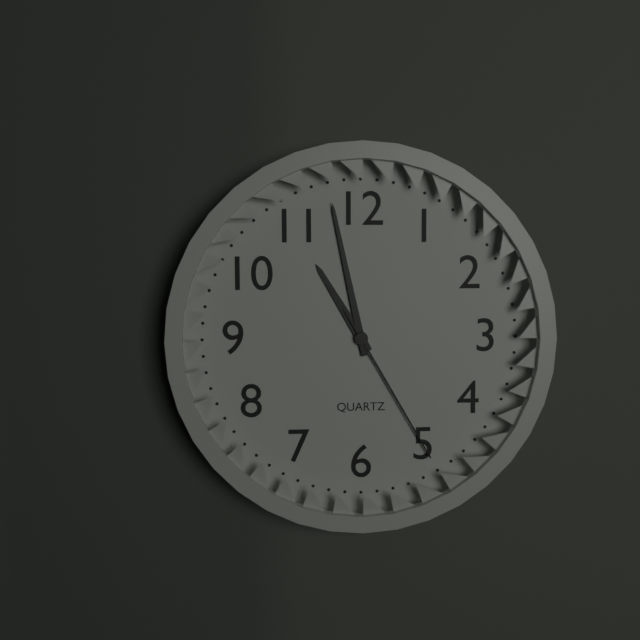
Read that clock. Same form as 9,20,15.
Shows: 10,58,25
